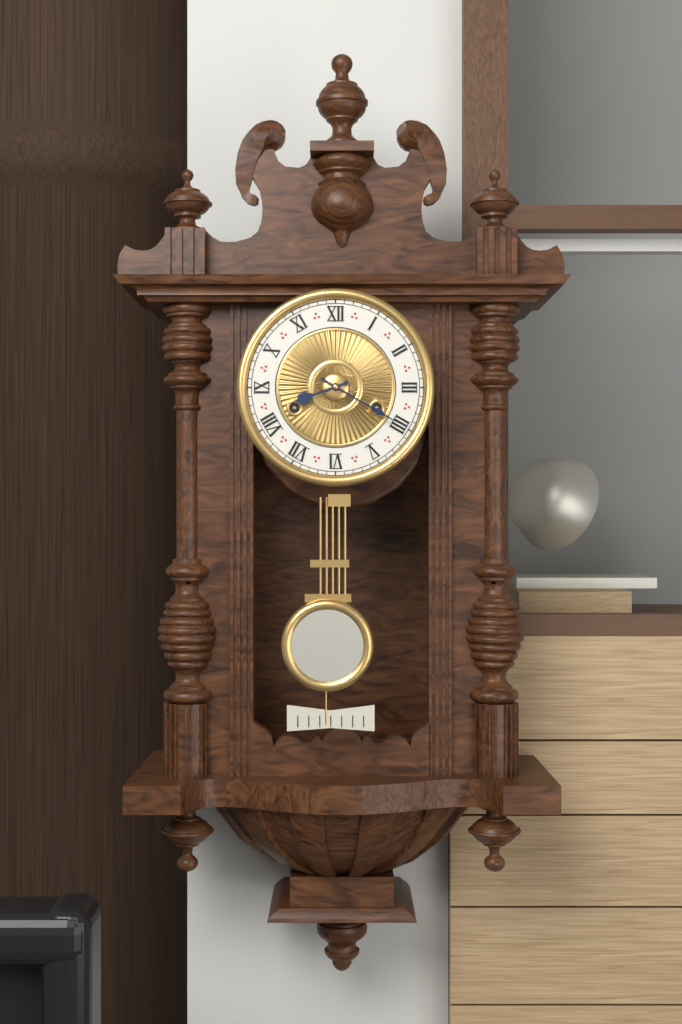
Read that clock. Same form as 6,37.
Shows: 8,20
